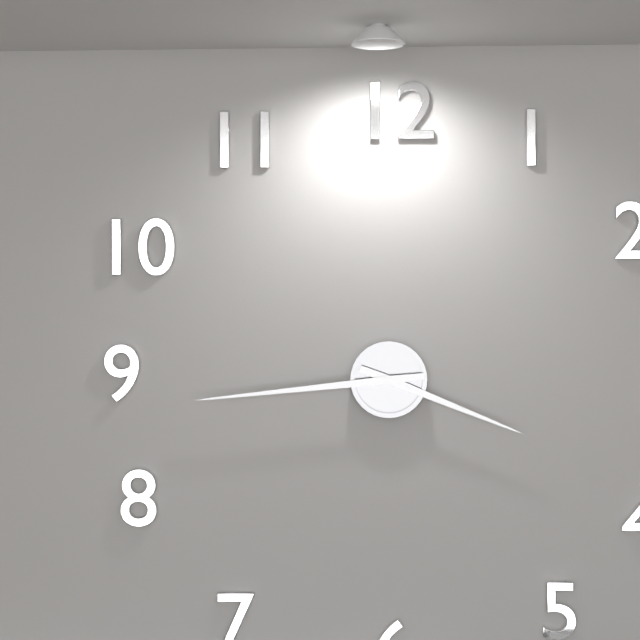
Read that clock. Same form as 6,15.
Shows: 3,44
